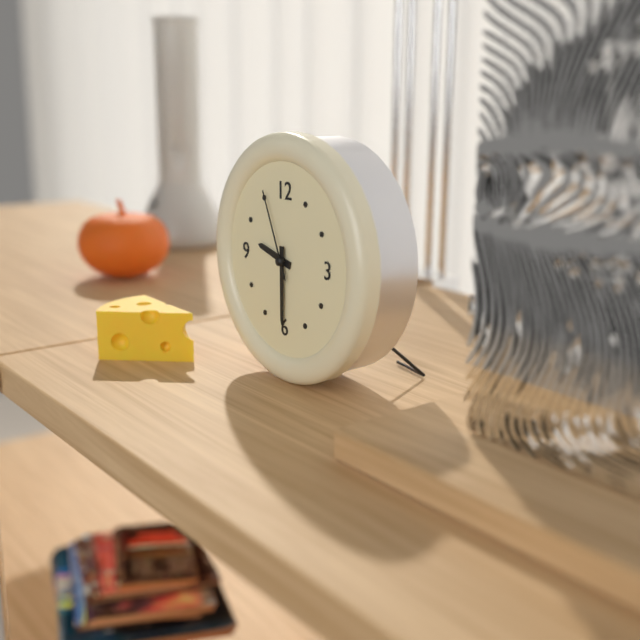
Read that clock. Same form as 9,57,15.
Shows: 9,30,56
